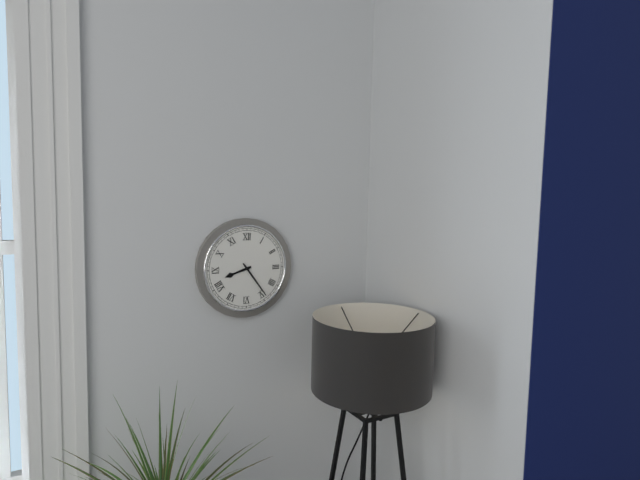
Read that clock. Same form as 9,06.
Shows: 8,24
